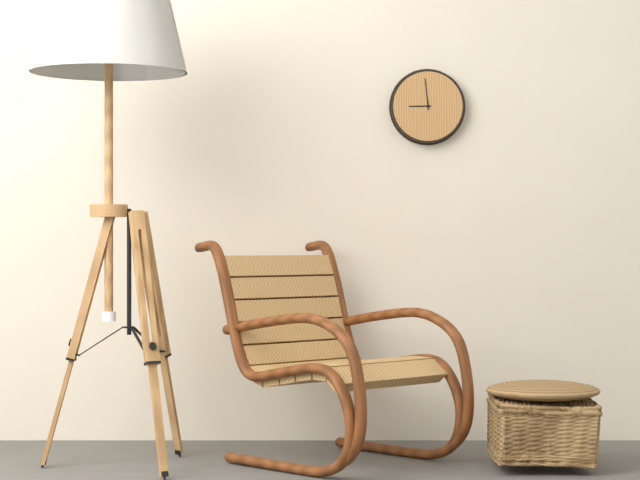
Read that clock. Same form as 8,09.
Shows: 8,59
